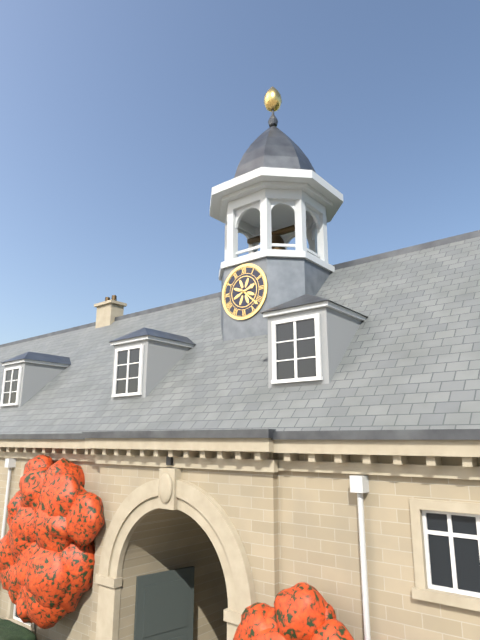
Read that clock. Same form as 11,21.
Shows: 2,22
